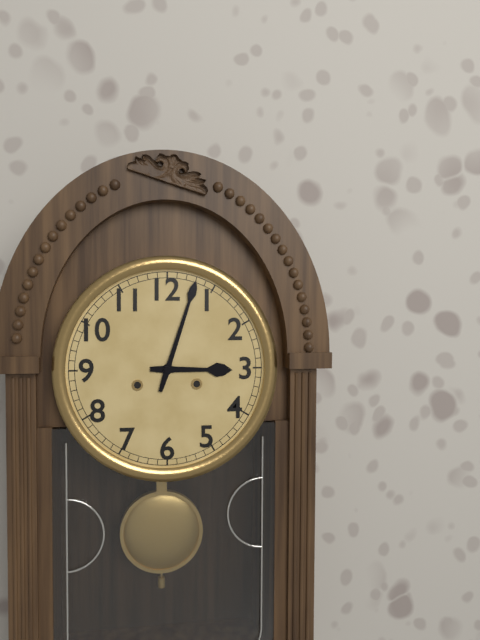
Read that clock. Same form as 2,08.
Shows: 3,03
